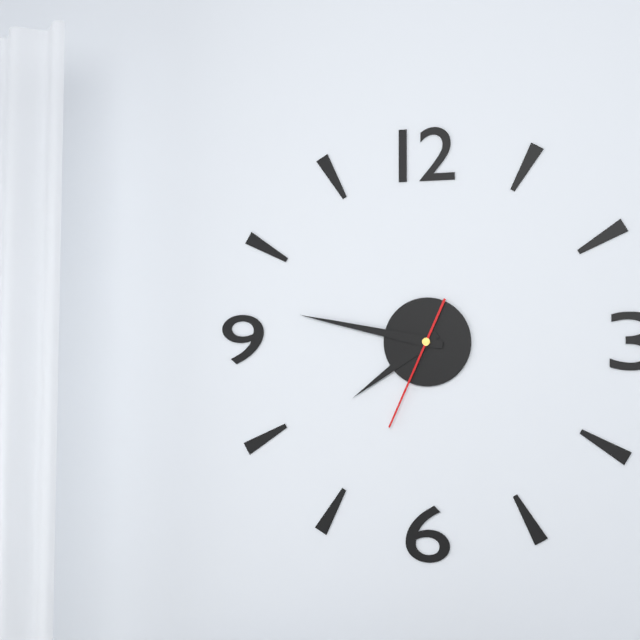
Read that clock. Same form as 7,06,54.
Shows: 7,47,34
